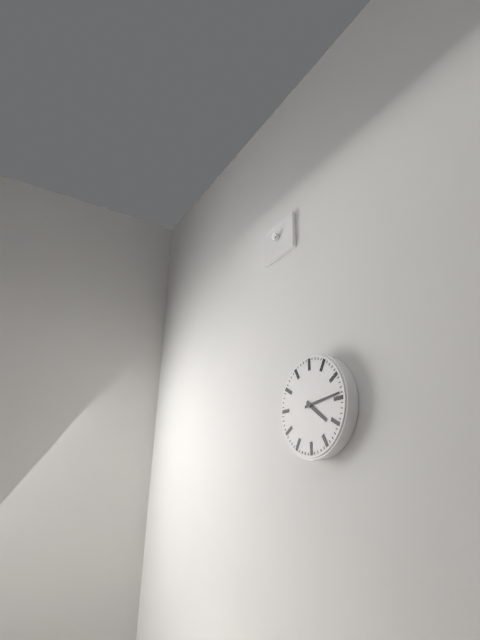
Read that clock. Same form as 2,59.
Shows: 4,14
